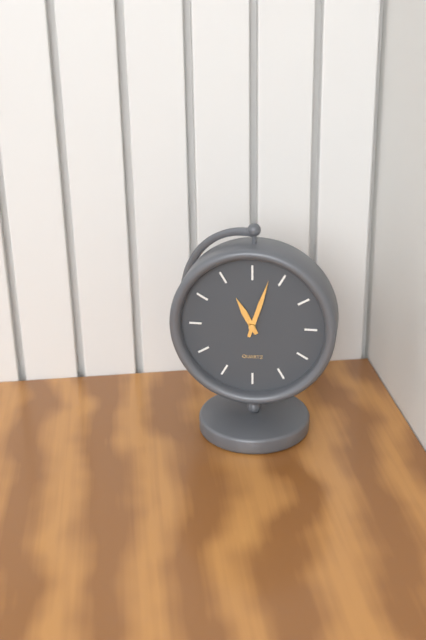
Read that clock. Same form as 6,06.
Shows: 11,03
